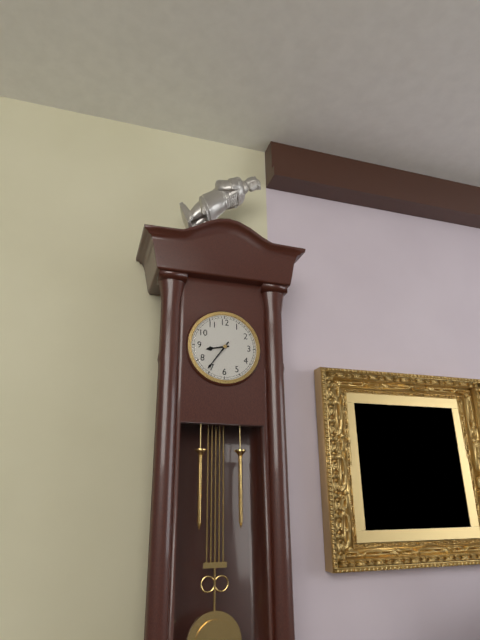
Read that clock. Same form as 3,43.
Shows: 8,36
